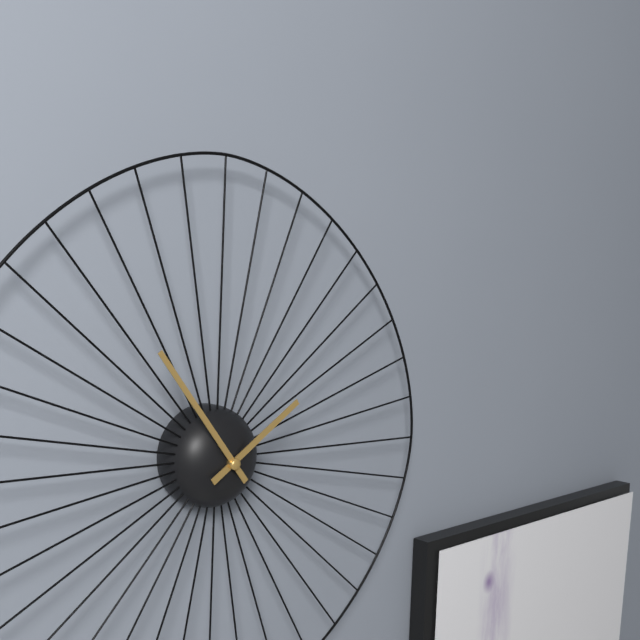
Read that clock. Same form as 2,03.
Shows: 1,54
